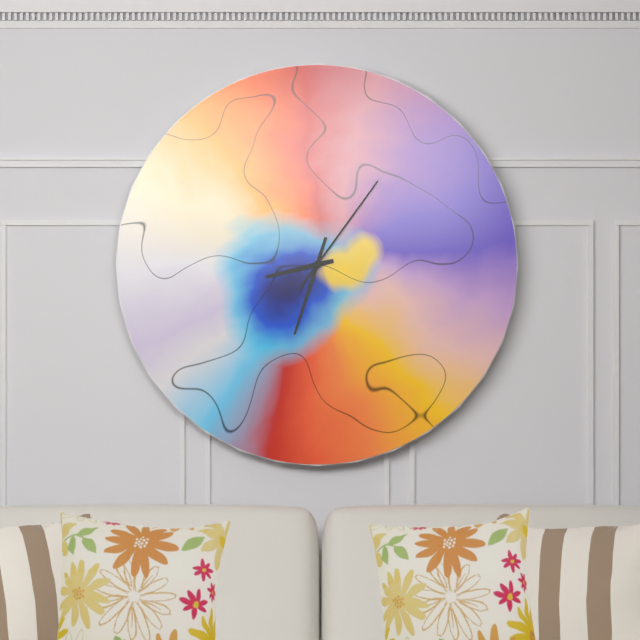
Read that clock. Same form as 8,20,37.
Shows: 8,33,06
